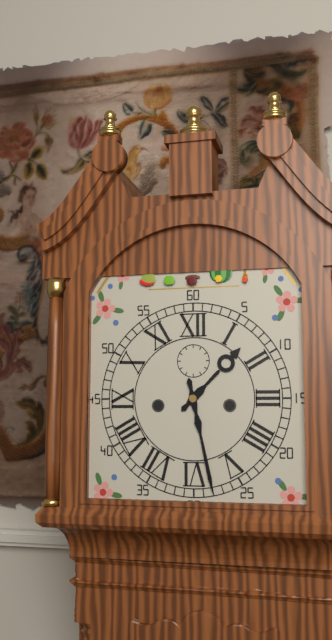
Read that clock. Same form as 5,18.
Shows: 1,28
